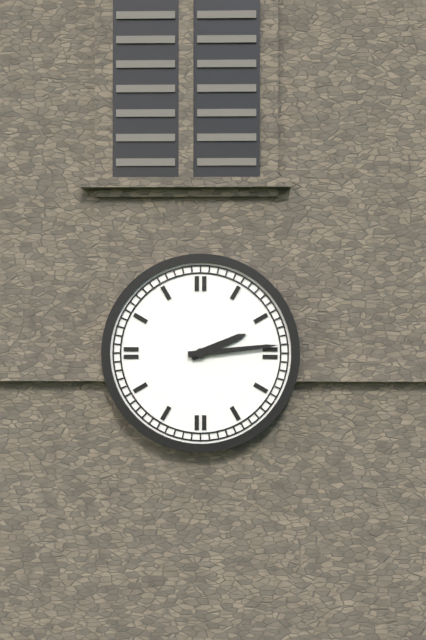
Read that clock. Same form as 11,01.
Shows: 2,14
